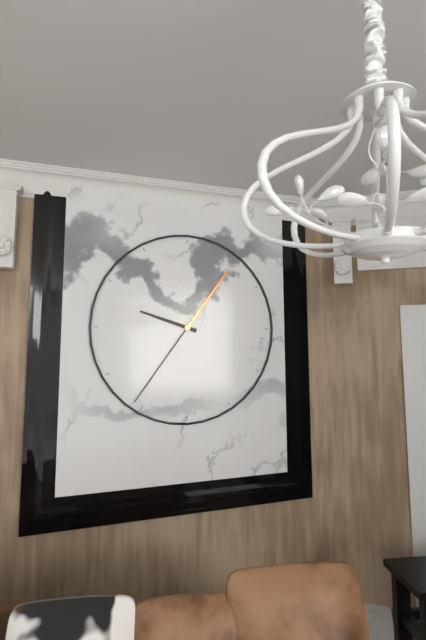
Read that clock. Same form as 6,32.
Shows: 9,36
